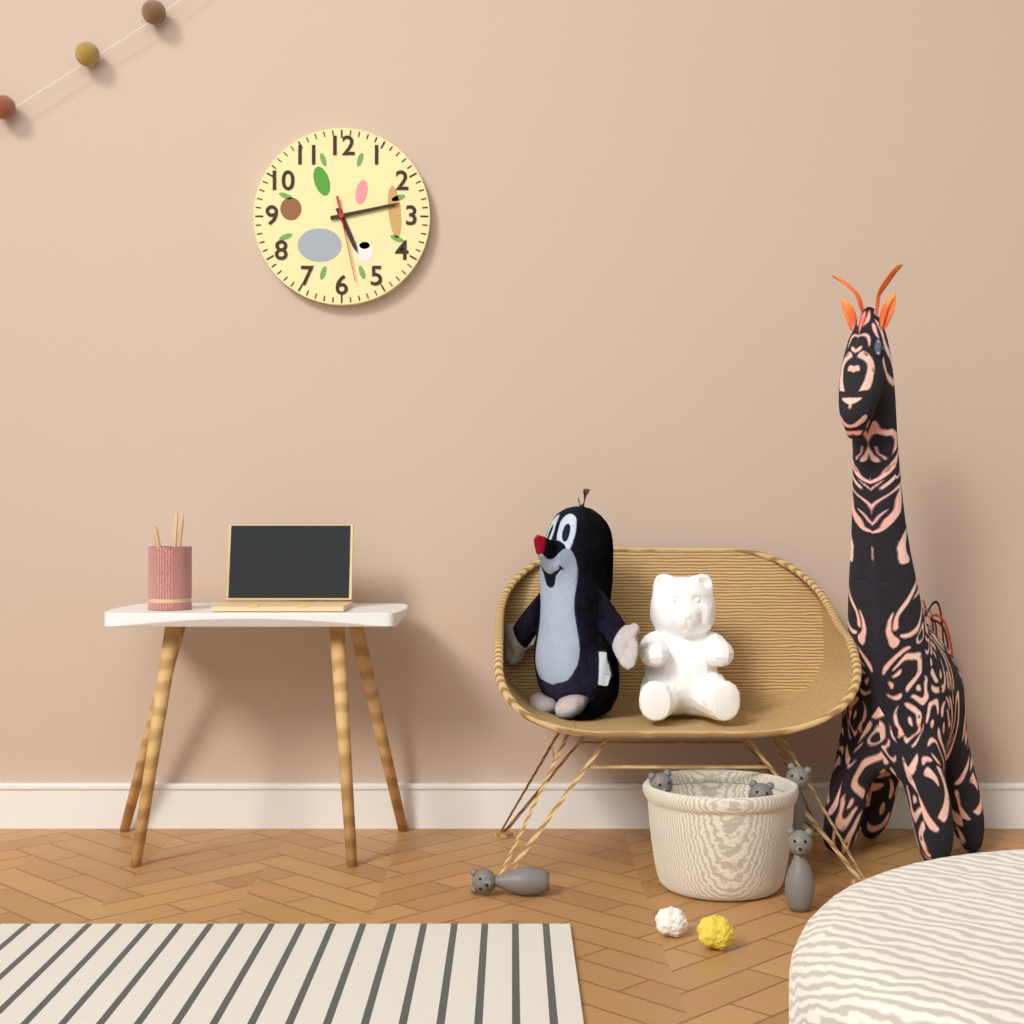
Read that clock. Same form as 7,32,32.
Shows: 5,13,28
